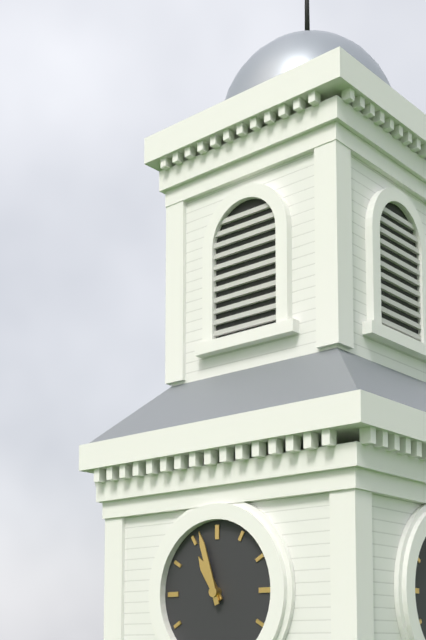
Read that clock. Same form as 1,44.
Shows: 10,57
